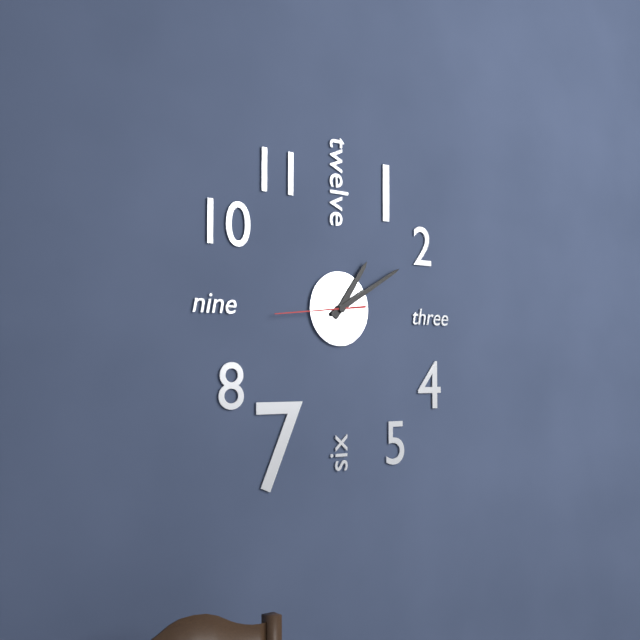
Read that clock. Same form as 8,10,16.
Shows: 1,10,44
